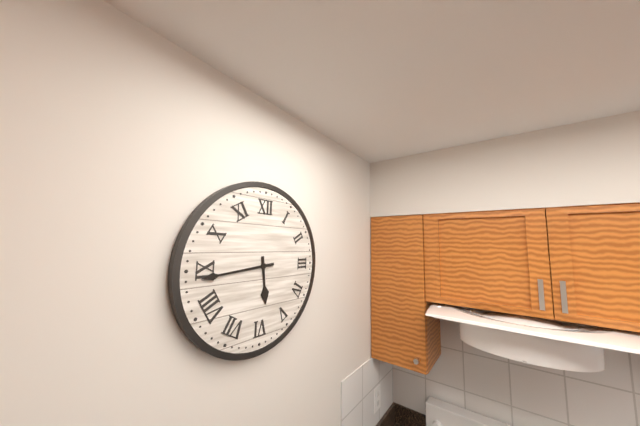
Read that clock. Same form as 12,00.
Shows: 5,44
